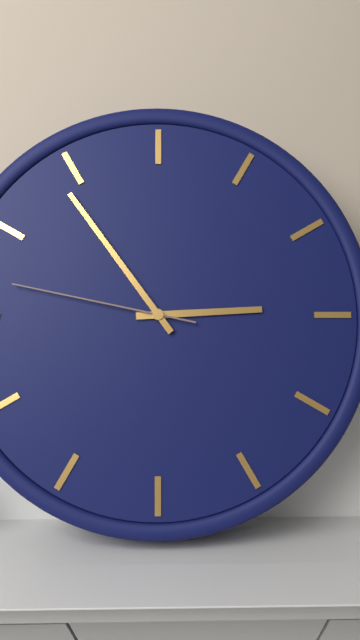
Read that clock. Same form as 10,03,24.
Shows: 2,54,47
